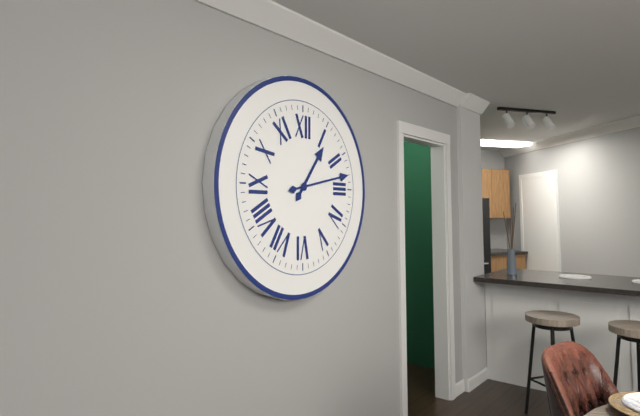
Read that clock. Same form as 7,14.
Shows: 1,13
